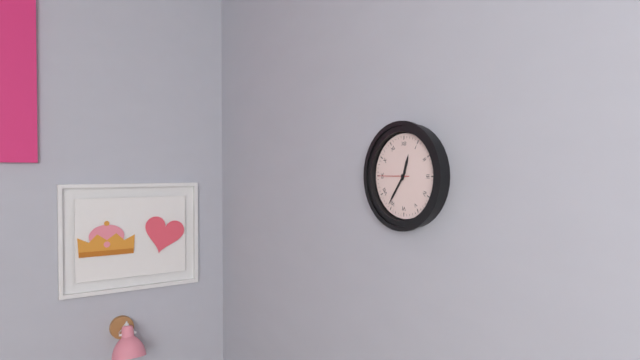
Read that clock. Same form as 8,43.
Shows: 12,36
